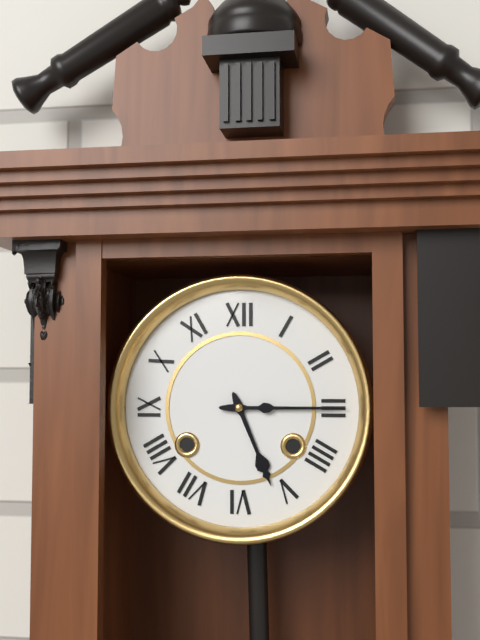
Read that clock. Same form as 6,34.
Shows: 5,15
